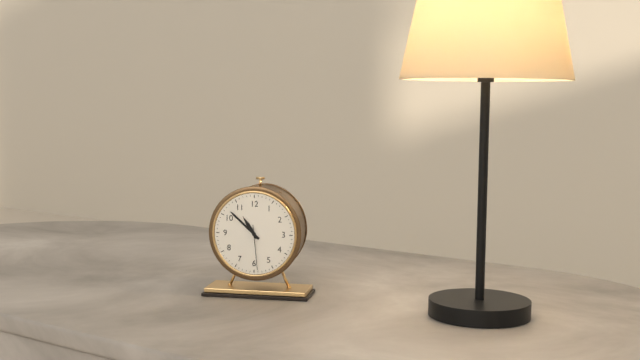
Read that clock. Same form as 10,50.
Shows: 10,52
